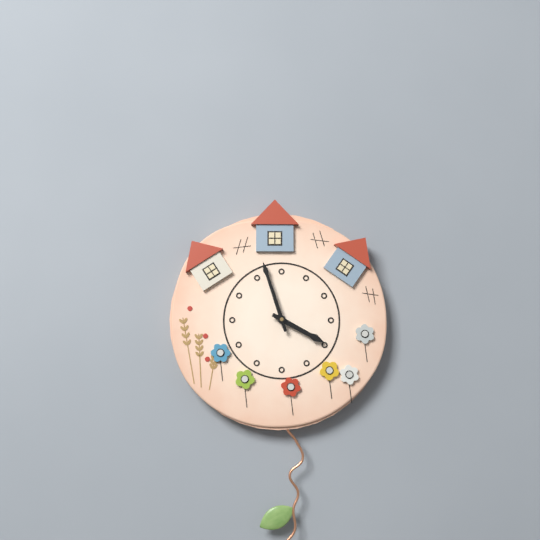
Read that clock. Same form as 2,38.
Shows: 3,57
